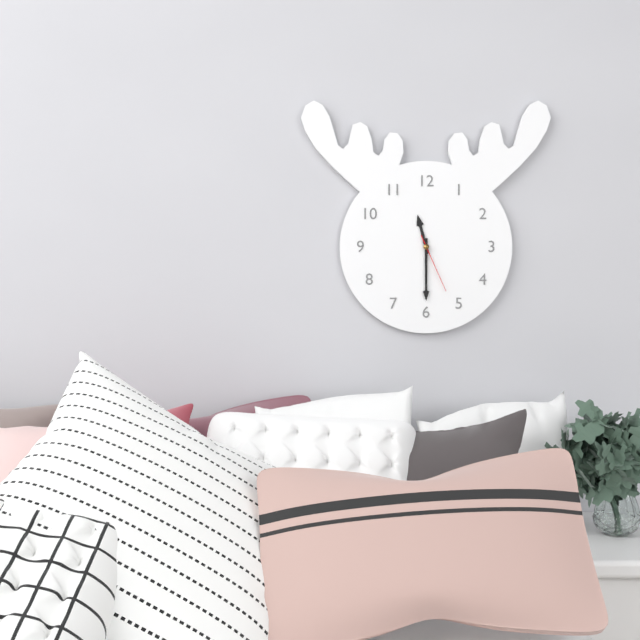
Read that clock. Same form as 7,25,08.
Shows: 11,30,26
